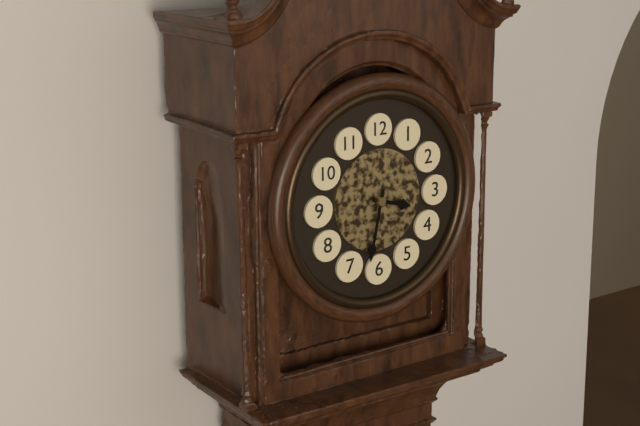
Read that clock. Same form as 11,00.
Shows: 3,32
